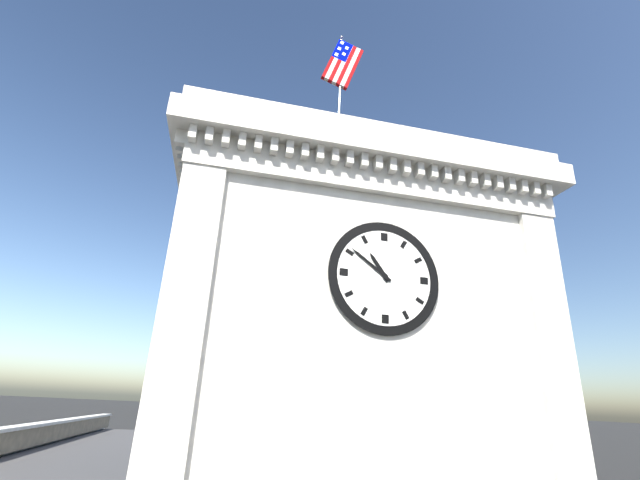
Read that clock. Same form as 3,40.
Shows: 10,51
